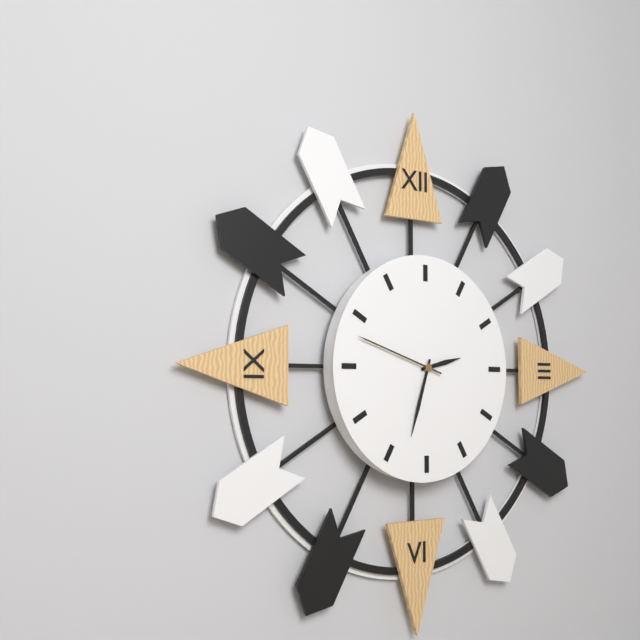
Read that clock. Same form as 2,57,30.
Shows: 2,33,48
